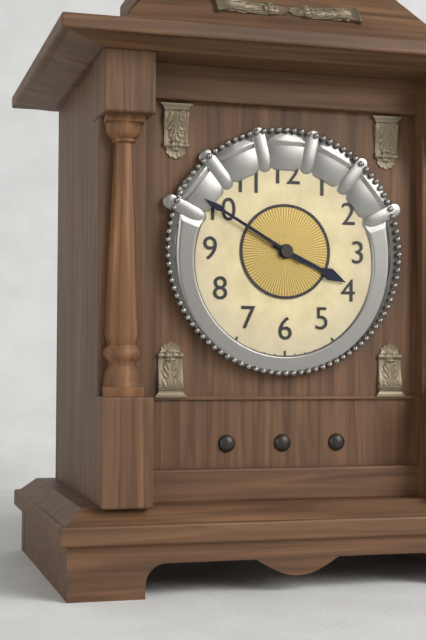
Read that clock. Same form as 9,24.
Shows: 3,50
